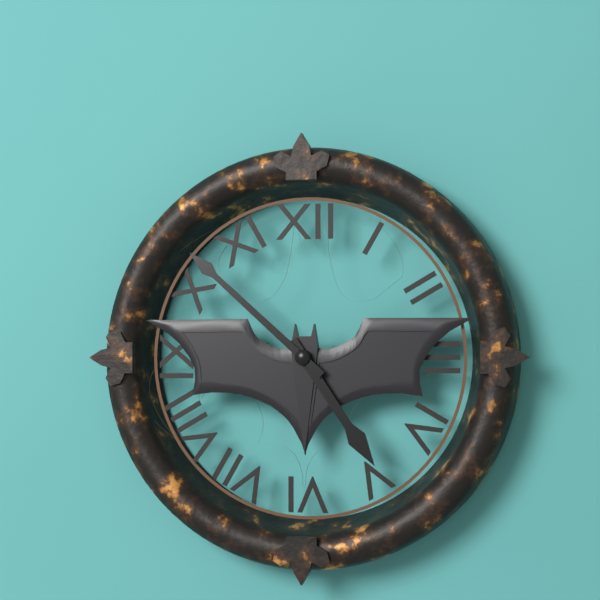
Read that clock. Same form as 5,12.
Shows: 4,52
